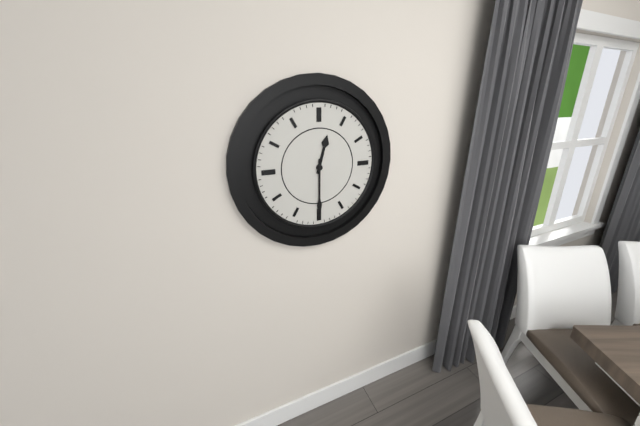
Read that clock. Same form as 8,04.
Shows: 12,30
